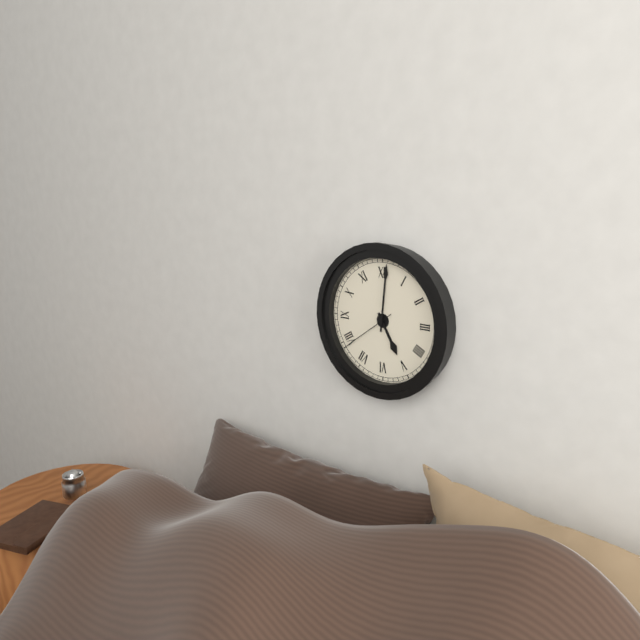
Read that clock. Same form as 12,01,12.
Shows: 5,01,39
